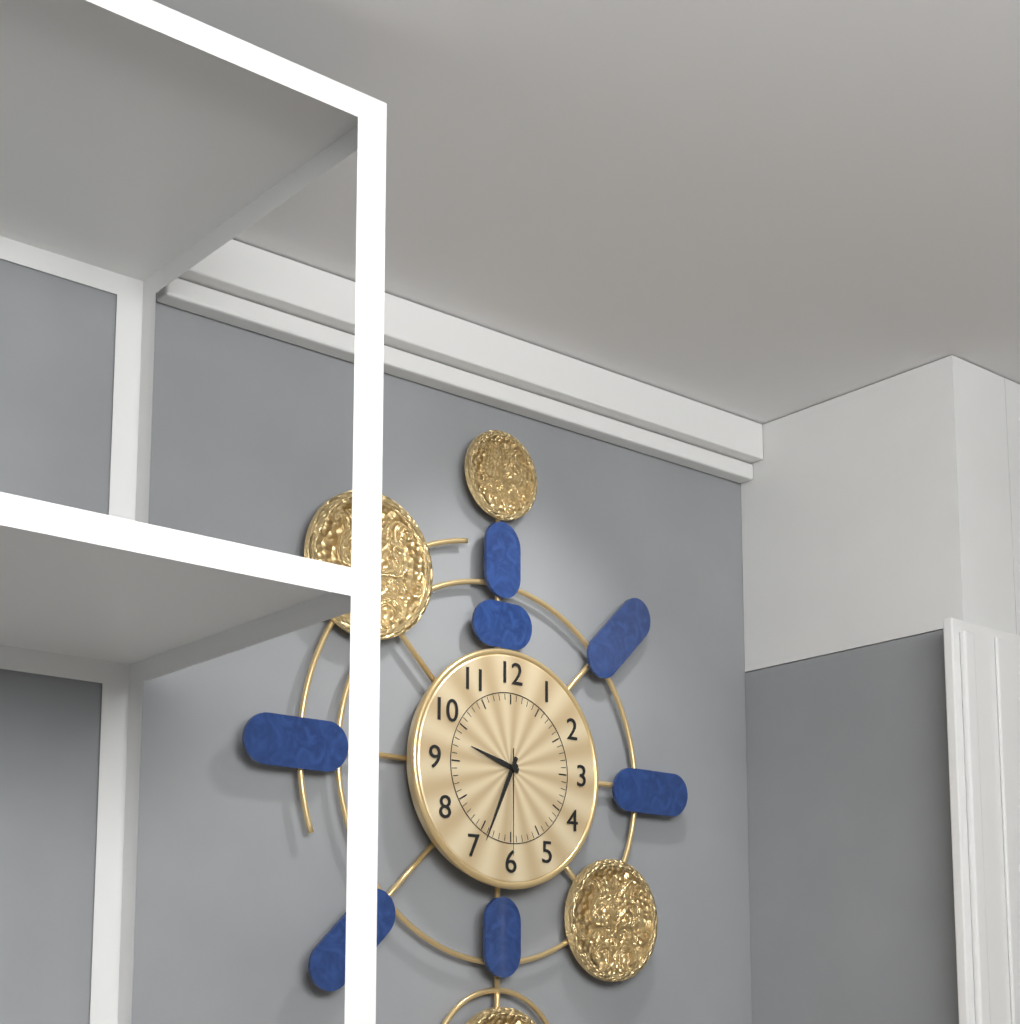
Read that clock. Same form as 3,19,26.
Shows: 9,34,30
